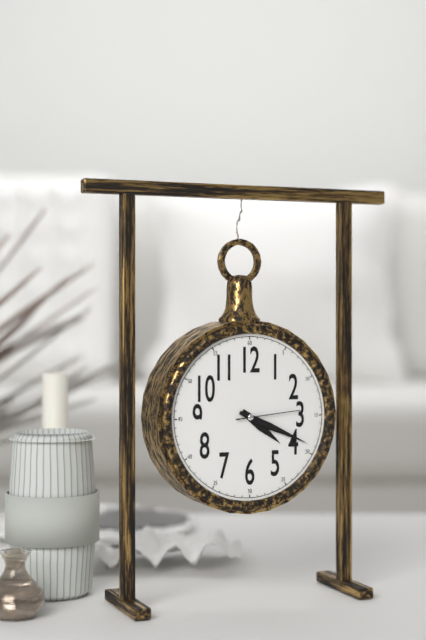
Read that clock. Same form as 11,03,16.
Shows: 4,19,14
